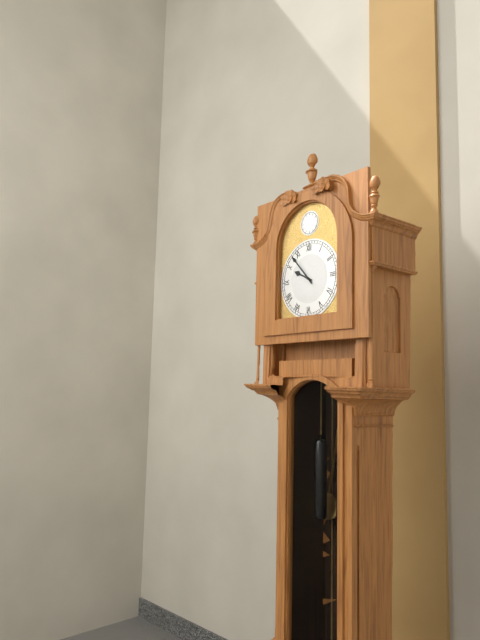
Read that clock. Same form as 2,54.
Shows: 9,53
